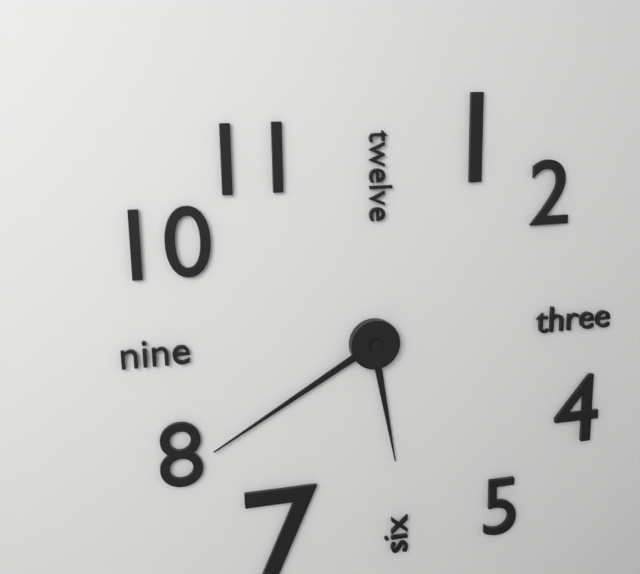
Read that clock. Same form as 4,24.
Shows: 5,40
